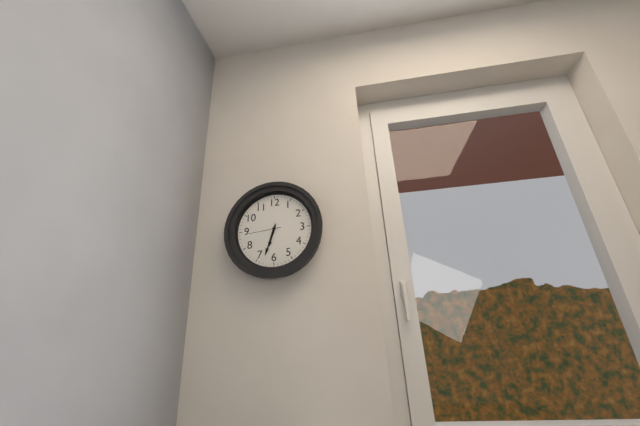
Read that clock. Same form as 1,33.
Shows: 6,33
